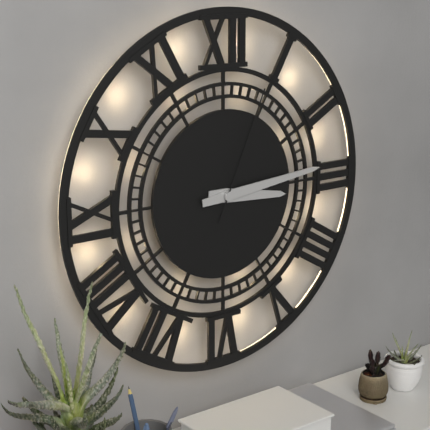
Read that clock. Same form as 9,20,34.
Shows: 3,14,04
